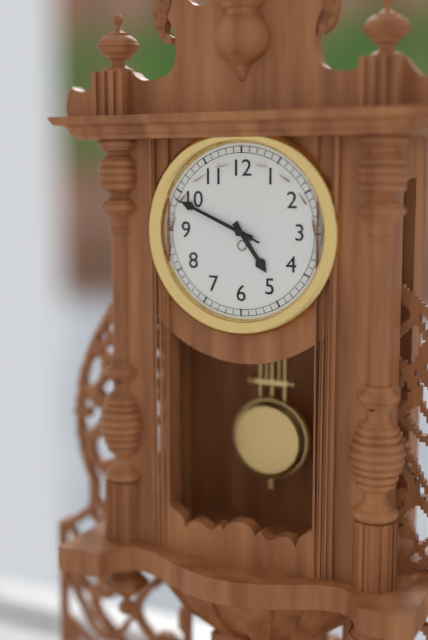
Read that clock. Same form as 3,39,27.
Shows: 4,49,49
